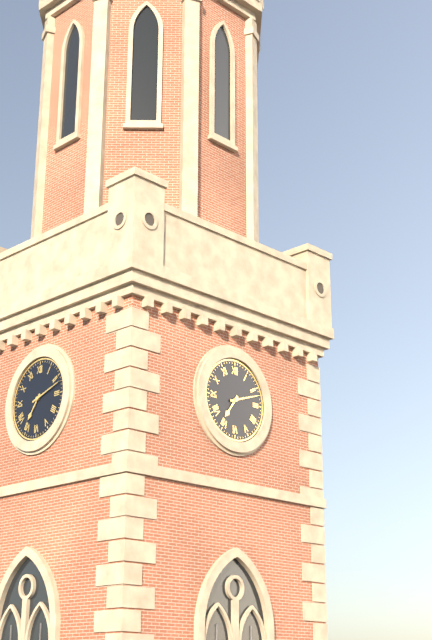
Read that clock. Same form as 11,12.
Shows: 7,12
